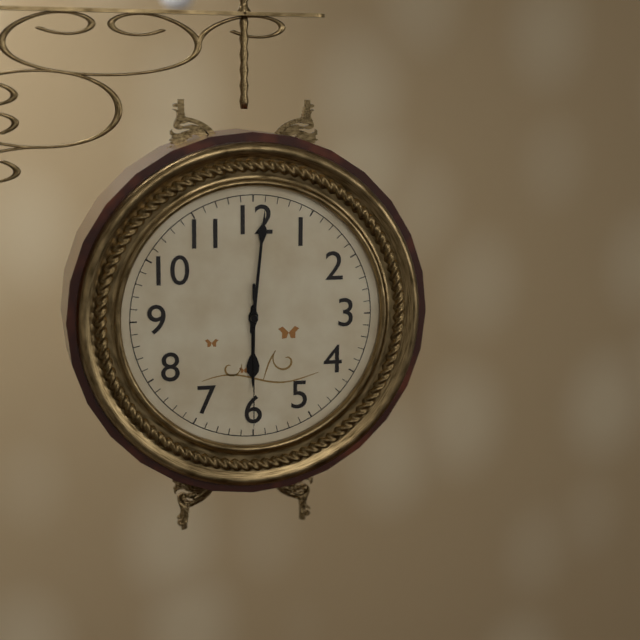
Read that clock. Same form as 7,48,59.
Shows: 6,01,30
